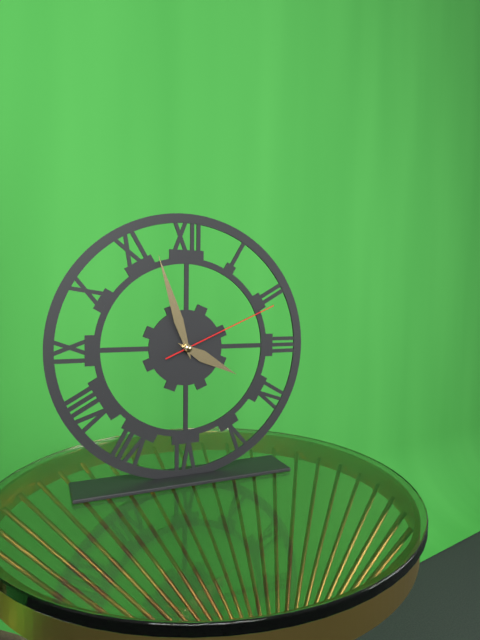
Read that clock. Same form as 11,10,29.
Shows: 3,57,11
